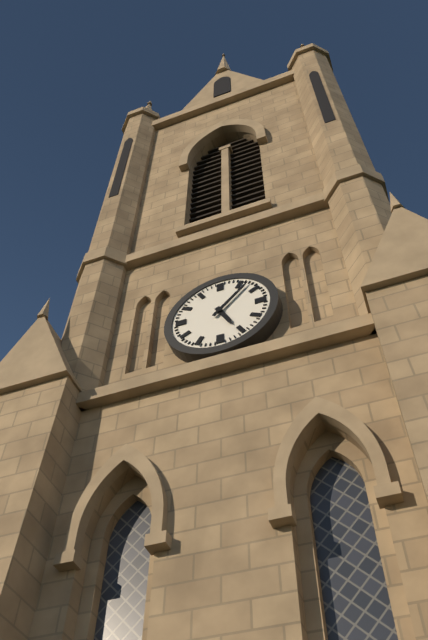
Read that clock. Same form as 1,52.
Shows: 5,07
